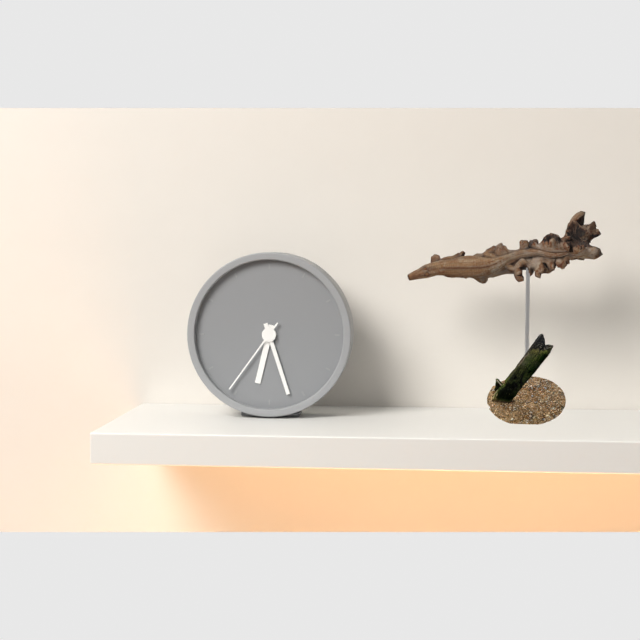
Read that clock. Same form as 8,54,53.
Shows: 6,27,36
